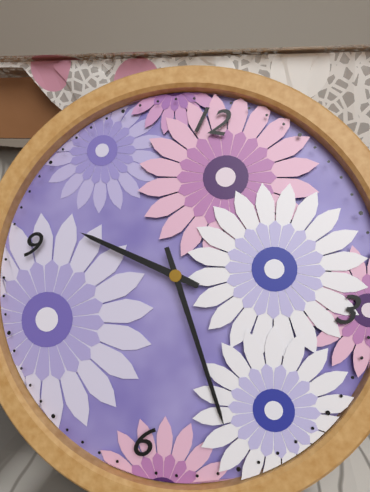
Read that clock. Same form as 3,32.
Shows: 9,25
